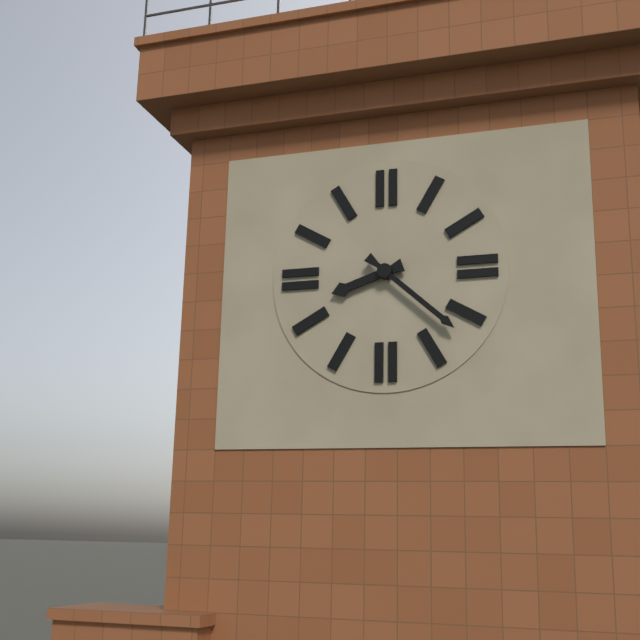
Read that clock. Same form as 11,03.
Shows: 8,22
